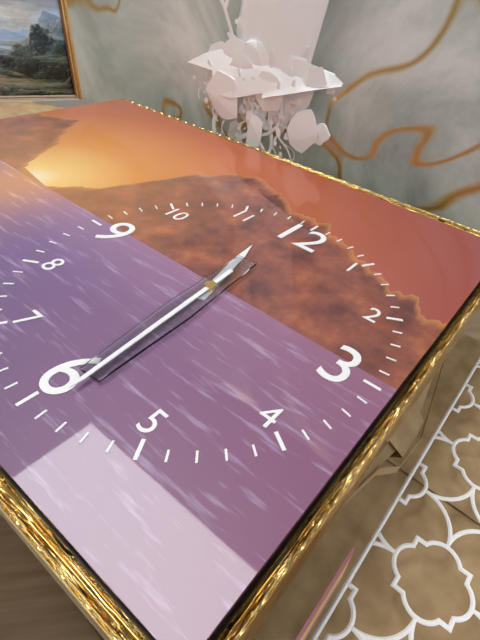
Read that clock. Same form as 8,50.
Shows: 11,29
